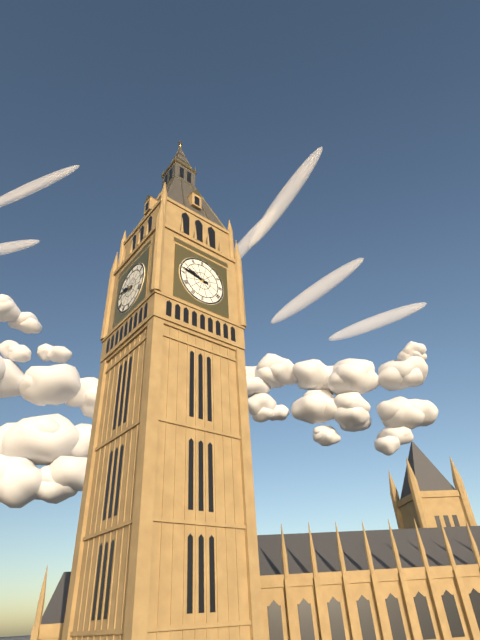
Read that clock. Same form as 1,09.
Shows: 9,47
